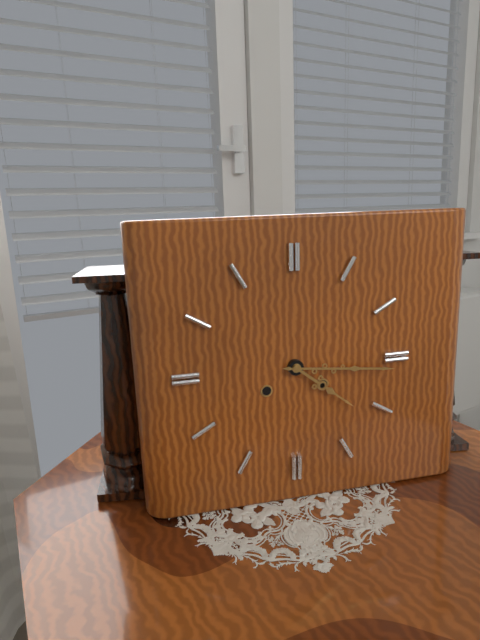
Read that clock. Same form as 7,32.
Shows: 4,16
